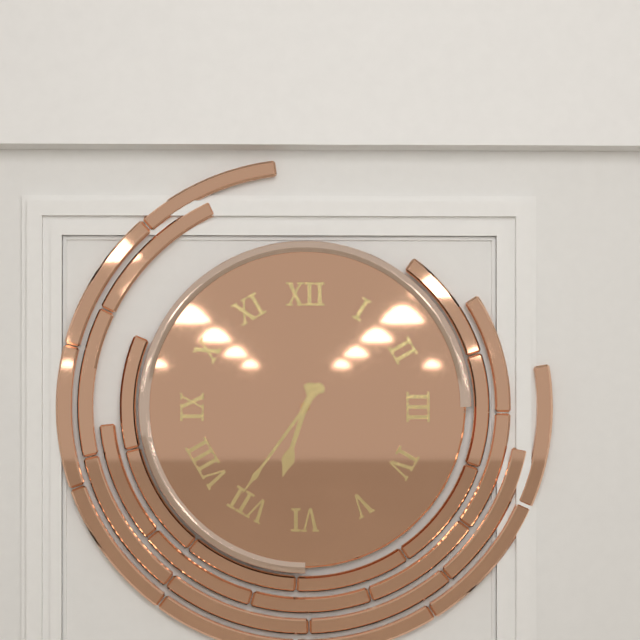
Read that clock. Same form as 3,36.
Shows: 6,36
